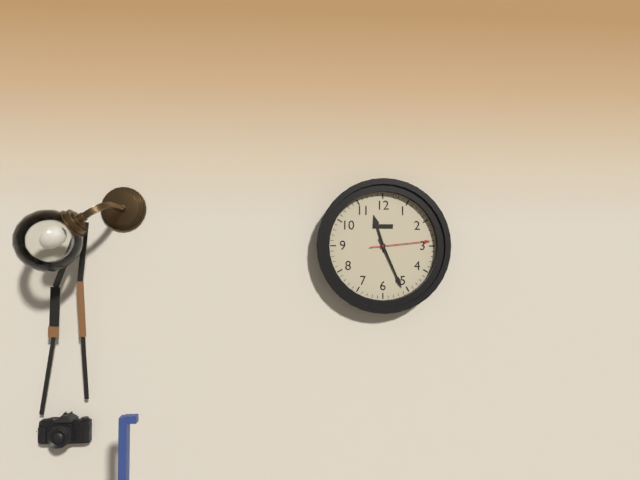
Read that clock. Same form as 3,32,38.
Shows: 11,26,14
